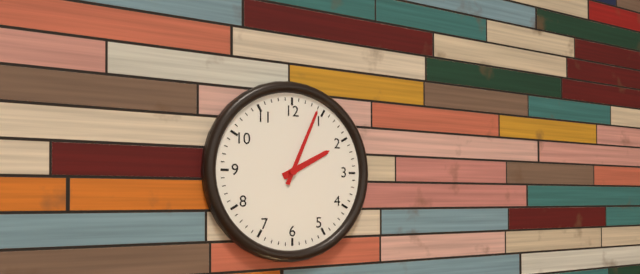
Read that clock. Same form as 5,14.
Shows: 2,04
